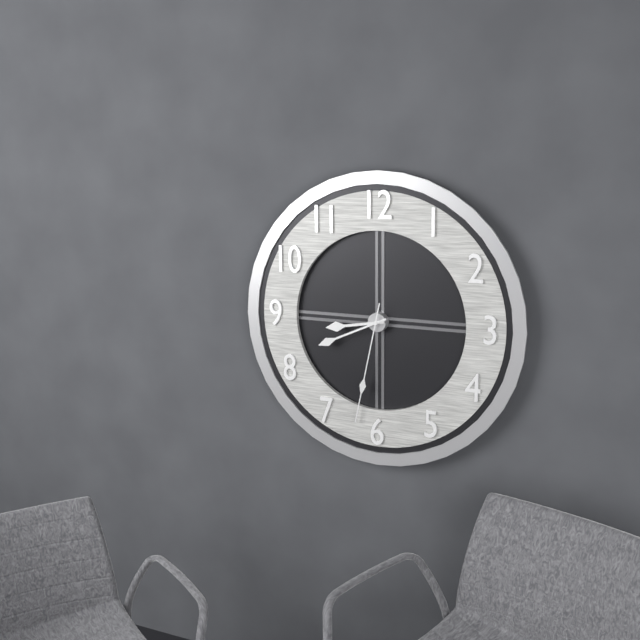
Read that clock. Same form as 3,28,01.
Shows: 8,41,32
